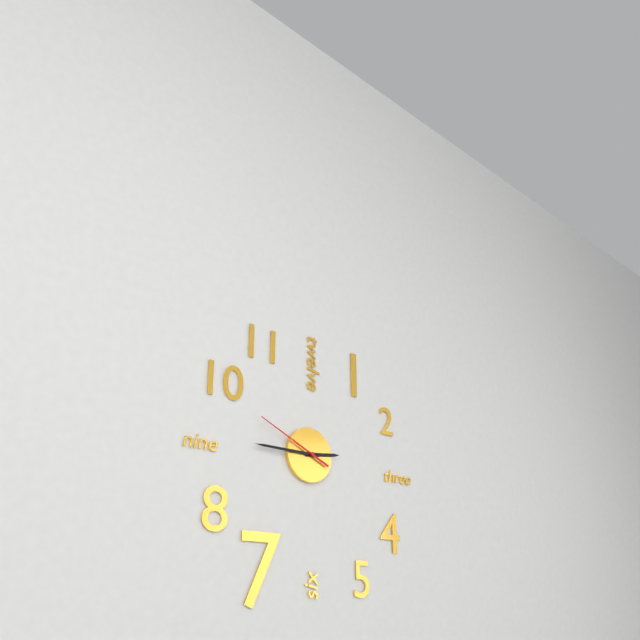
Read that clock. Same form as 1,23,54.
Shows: 2,45,49
